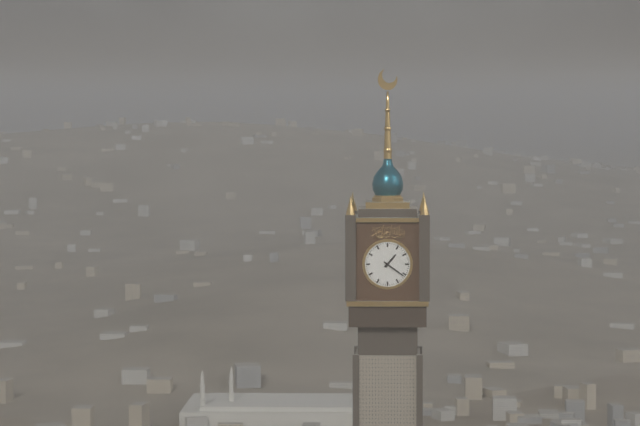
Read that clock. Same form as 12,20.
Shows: 1,21
